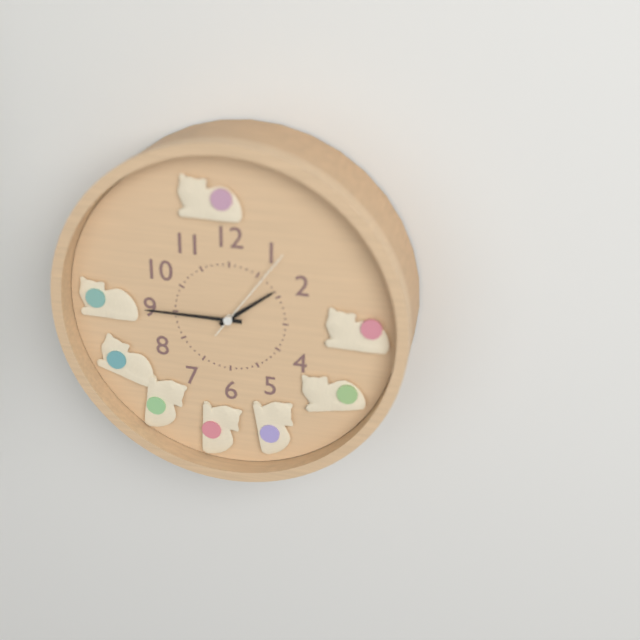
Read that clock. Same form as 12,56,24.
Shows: 1,45,06
